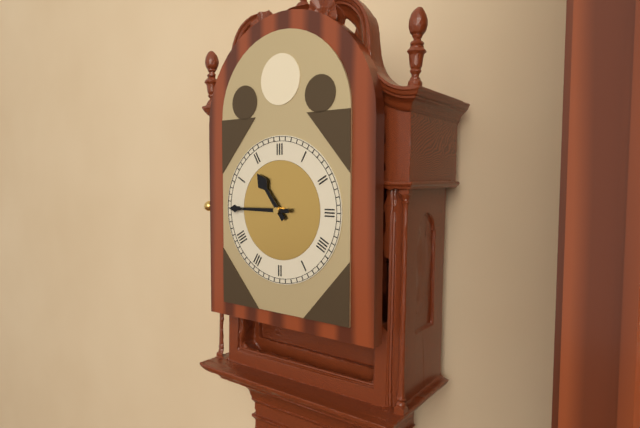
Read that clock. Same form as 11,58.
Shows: 10,45
